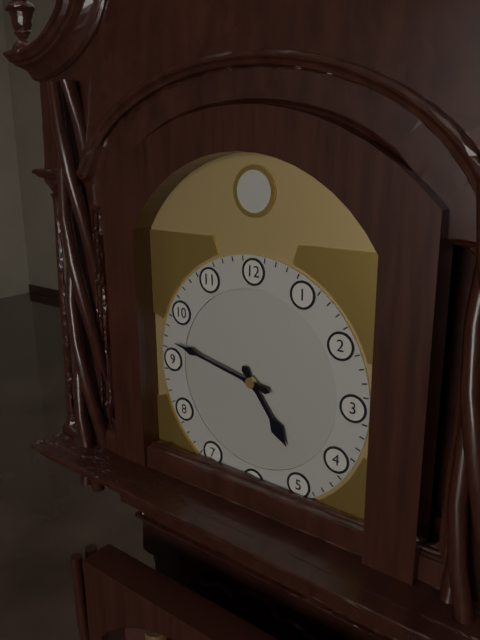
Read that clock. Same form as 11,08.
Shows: 4,47
